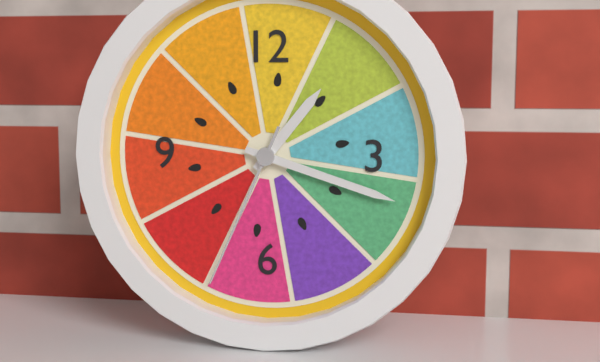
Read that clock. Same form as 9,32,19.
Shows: 1,18,34
